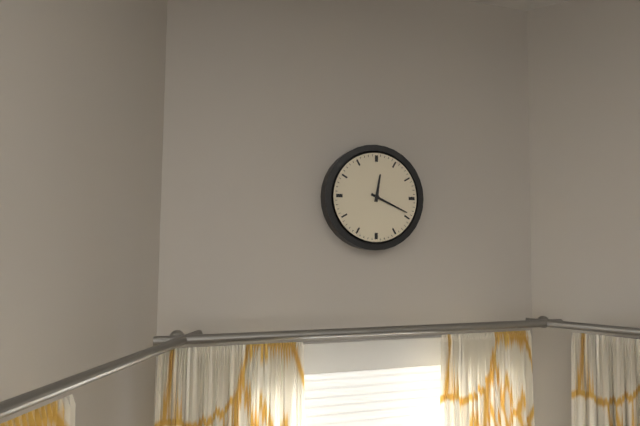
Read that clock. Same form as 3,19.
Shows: 12,19
